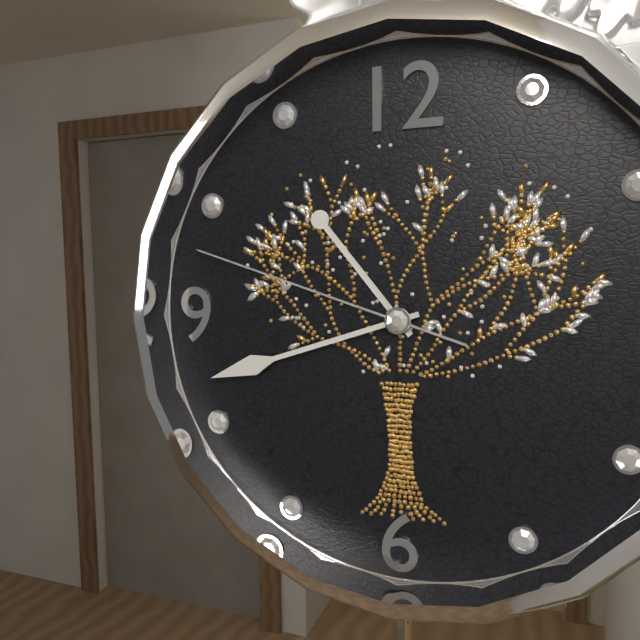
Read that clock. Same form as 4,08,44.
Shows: 10,42,48
